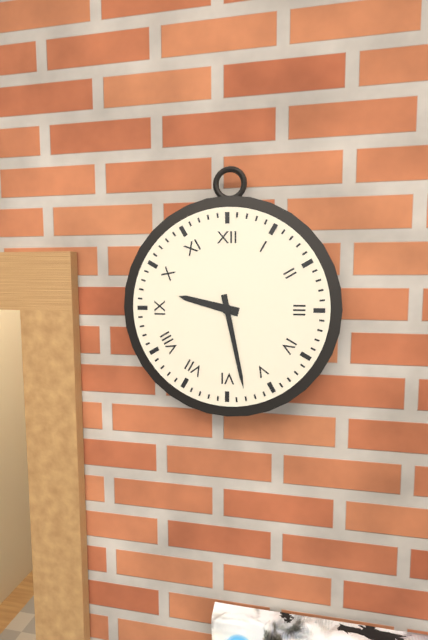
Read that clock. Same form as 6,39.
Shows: 9,28
